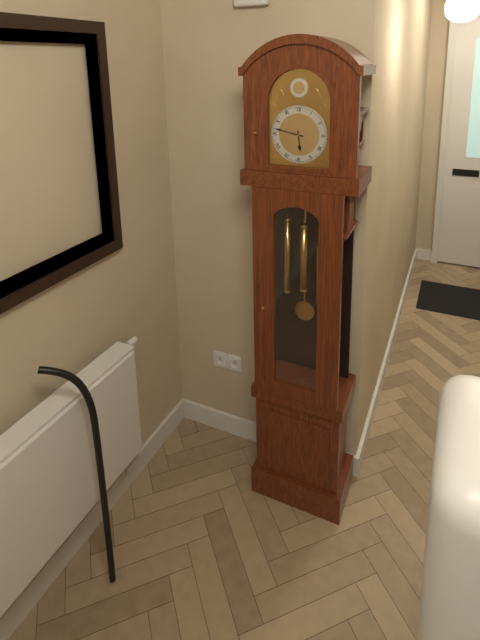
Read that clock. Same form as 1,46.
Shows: 5,47
